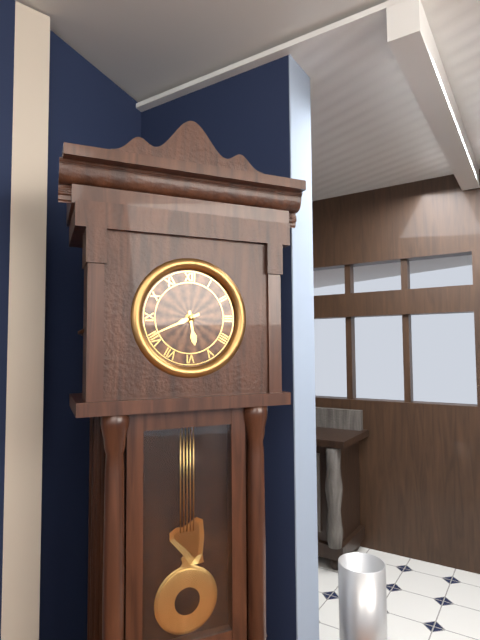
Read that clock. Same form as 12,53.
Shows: 5,41
